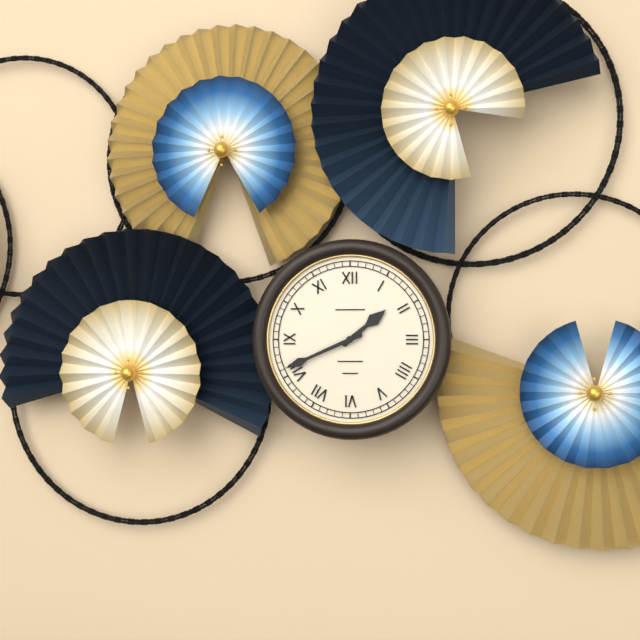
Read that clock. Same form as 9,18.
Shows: 1,41
